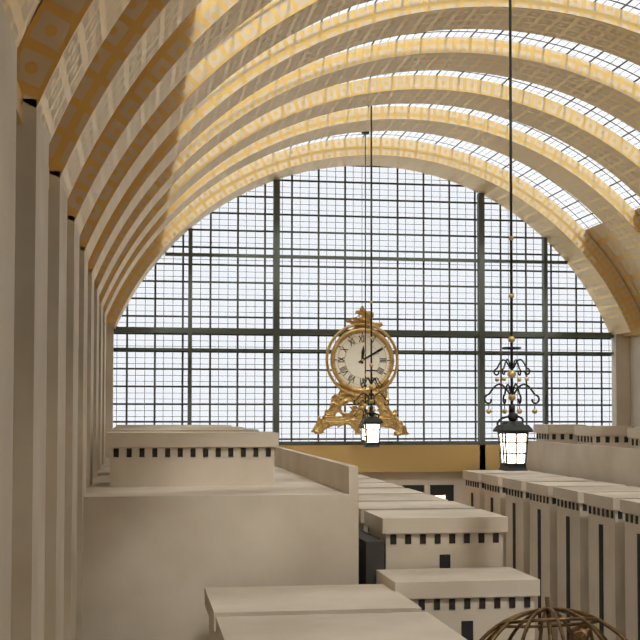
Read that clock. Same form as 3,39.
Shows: 12,10
